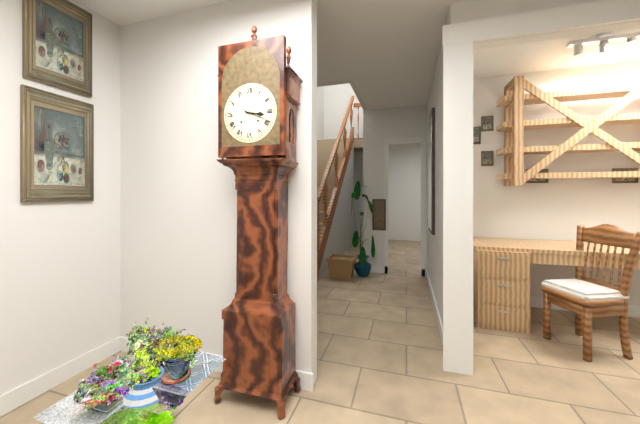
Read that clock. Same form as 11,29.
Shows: 3,19
